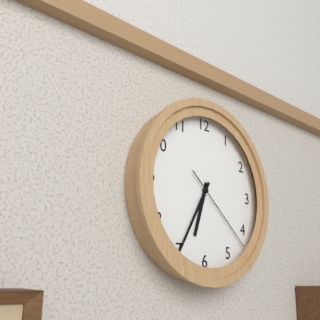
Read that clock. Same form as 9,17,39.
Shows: 6,35,22
